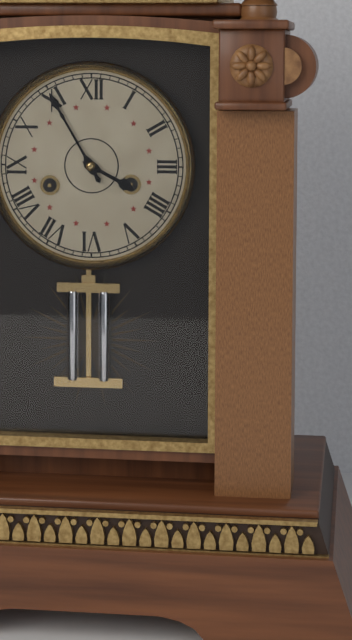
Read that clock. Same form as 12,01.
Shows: 3,55
